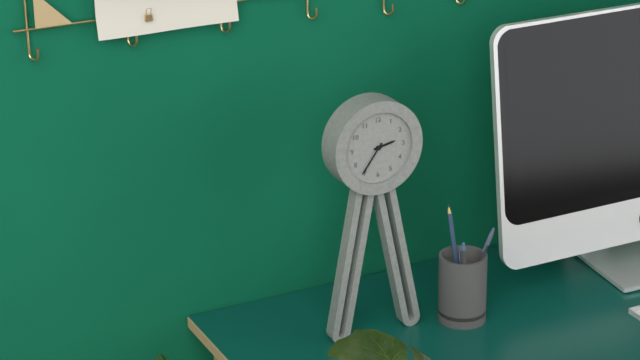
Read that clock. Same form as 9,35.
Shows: 2,36
